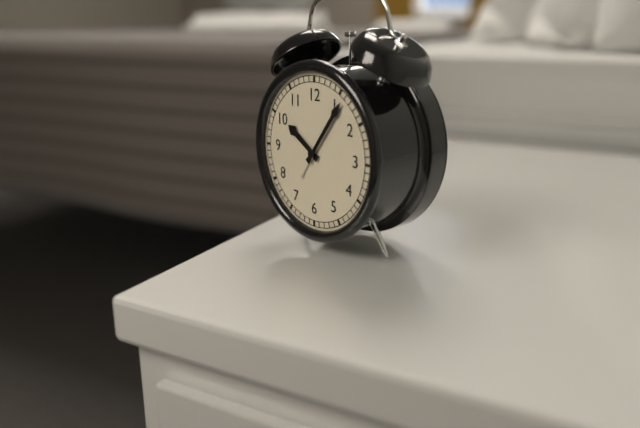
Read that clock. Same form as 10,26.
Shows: 10,06
